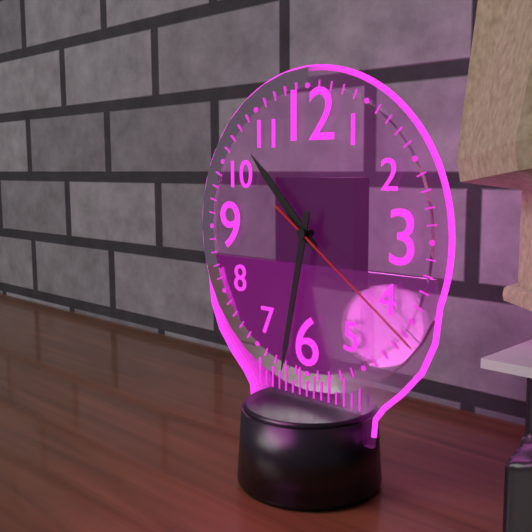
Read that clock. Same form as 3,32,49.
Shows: 10,32,21
